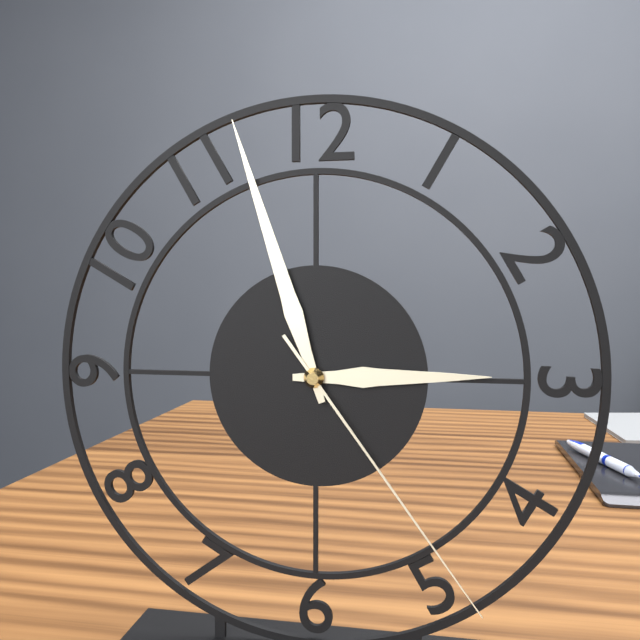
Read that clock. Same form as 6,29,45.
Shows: 2,57,24
